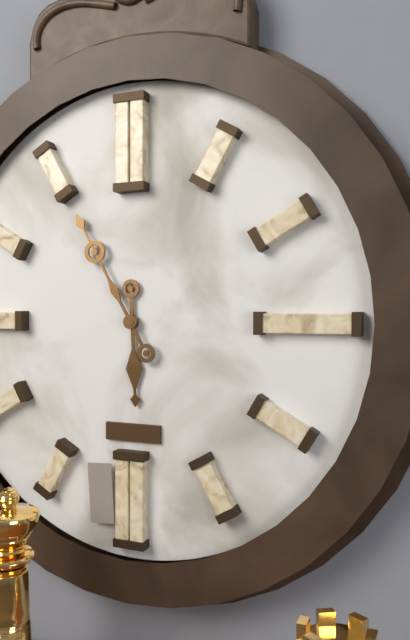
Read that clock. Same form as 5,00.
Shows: 5,55
